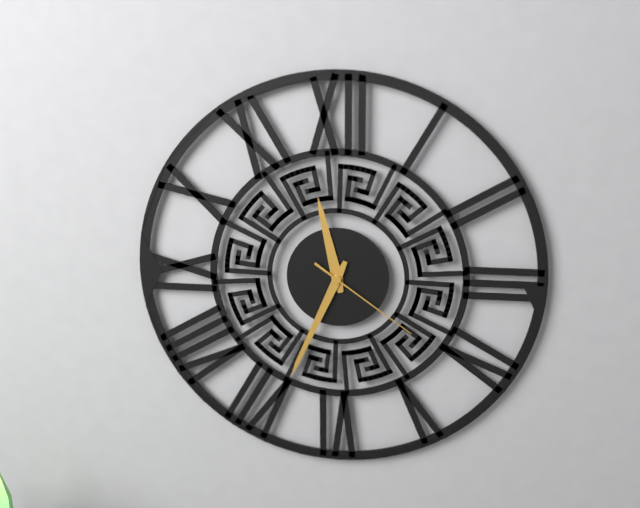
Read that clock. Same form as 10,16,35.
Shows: 11,34,21
